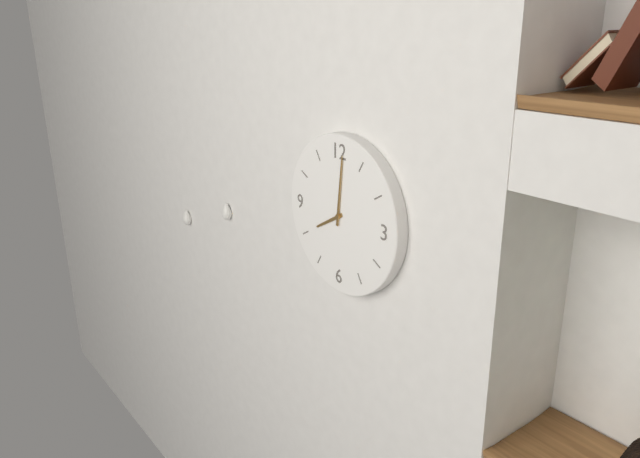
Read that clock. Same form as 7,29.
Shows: 8,01
